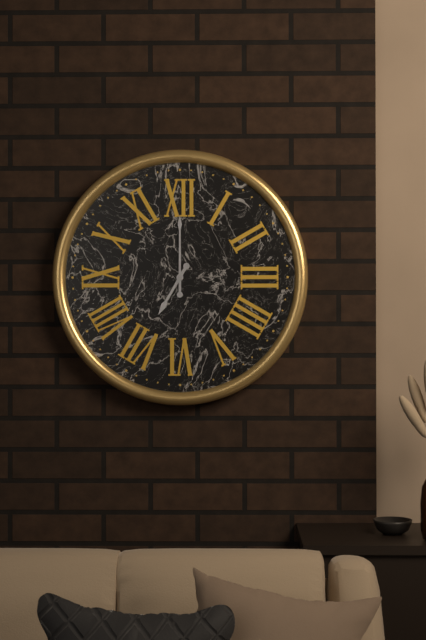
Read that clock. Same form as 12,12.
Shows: 7,00
